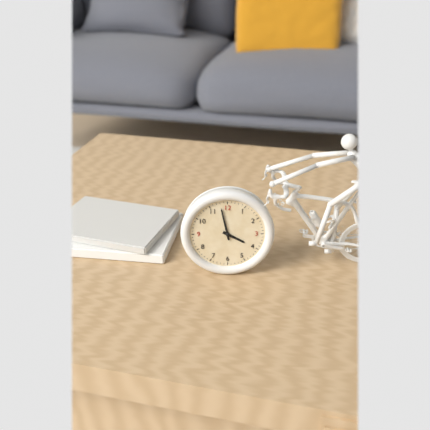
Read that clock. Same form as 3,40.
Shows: 3,58
